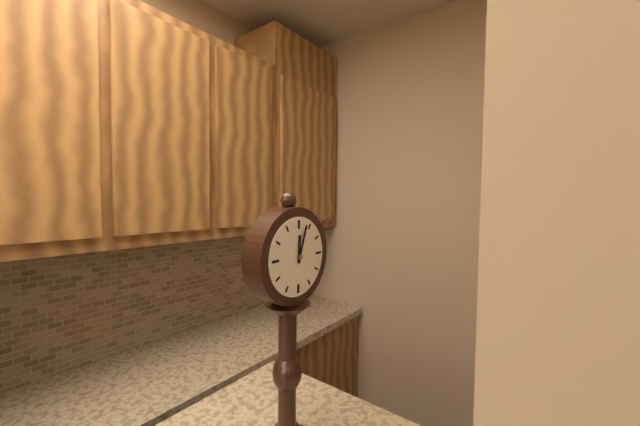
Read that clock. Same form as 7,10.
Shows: 12,03
